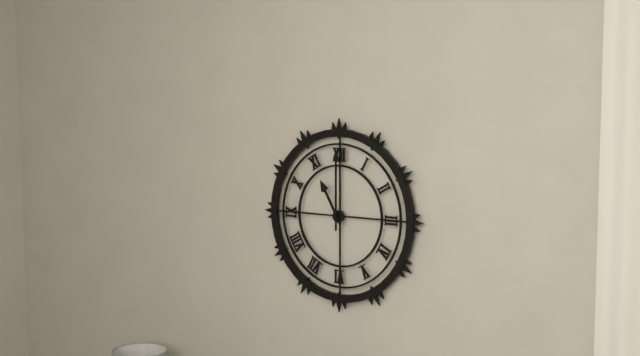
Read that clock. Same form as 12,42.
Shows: 11,00
